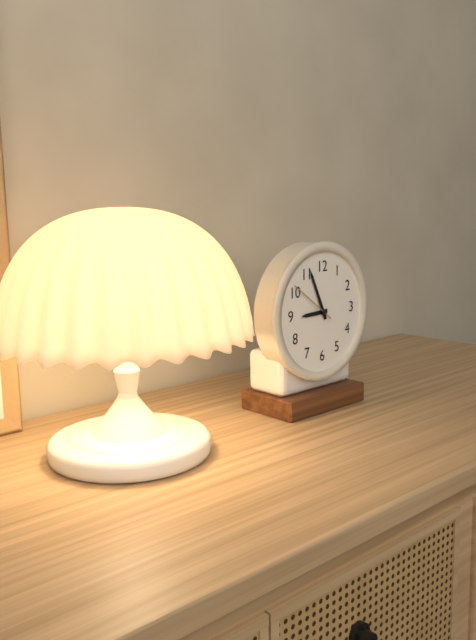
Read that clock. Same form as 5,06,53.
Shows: 8,56,51
